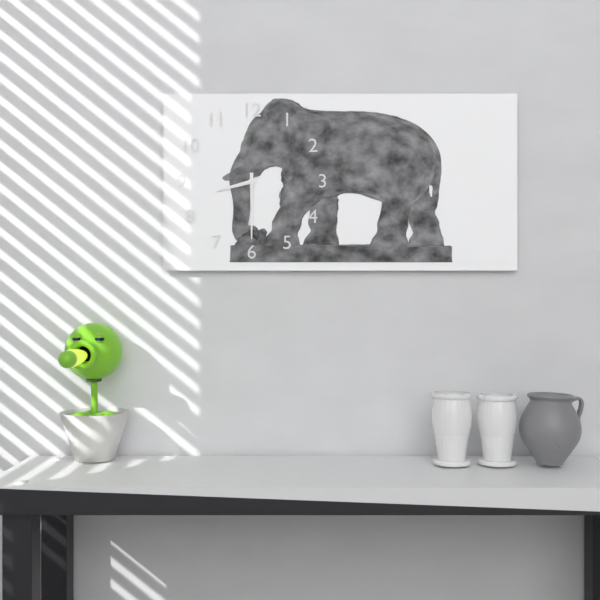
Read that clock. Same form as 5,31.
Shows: 8,30
